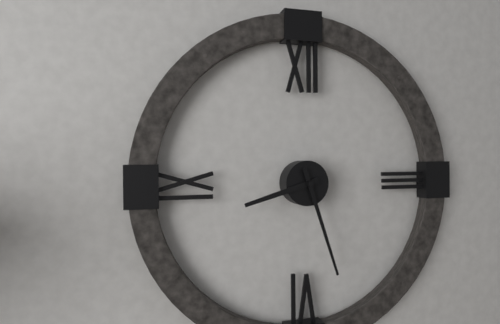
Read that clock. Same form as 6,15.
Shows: 8,27
